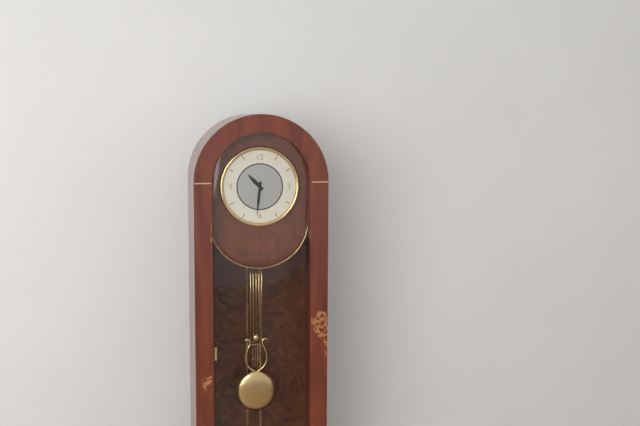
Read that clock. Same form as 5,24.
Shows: 10,31
